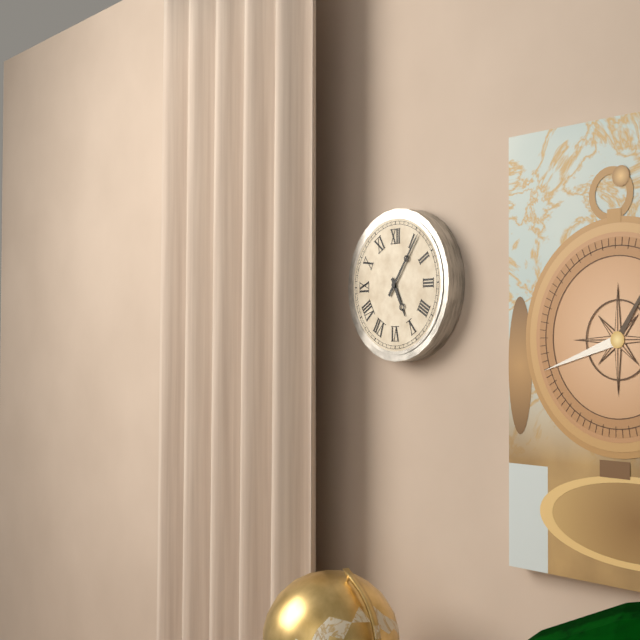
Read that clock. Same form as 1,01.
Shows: 5,06
